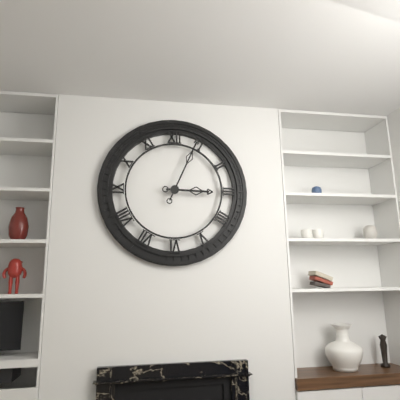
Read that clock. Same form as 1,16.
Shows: 3,04
